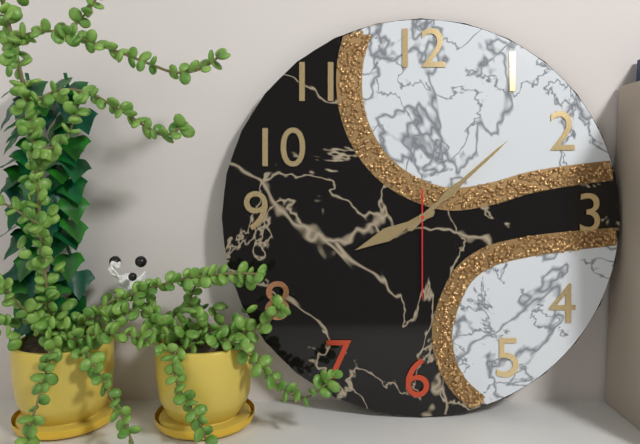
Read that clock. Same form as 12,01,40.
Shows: 8,08,30
